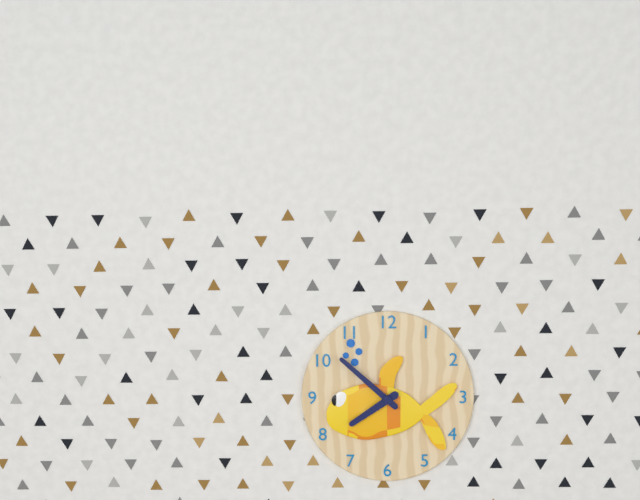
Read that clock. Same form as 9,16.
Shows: 7,52
